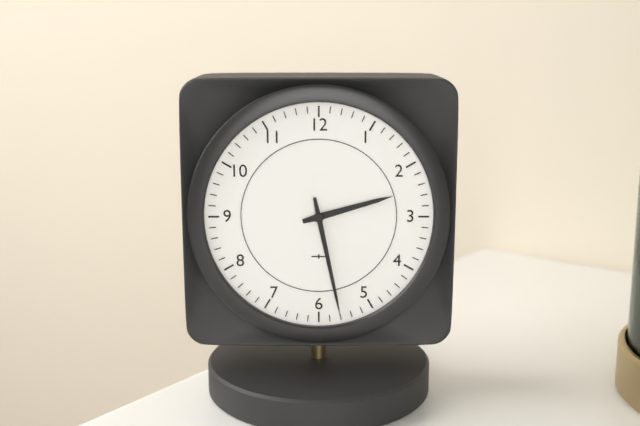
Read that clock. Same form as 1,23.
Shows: 2,28
